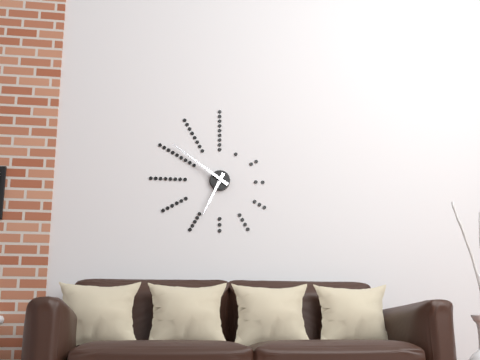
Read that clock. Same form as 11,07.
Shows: 6,51
